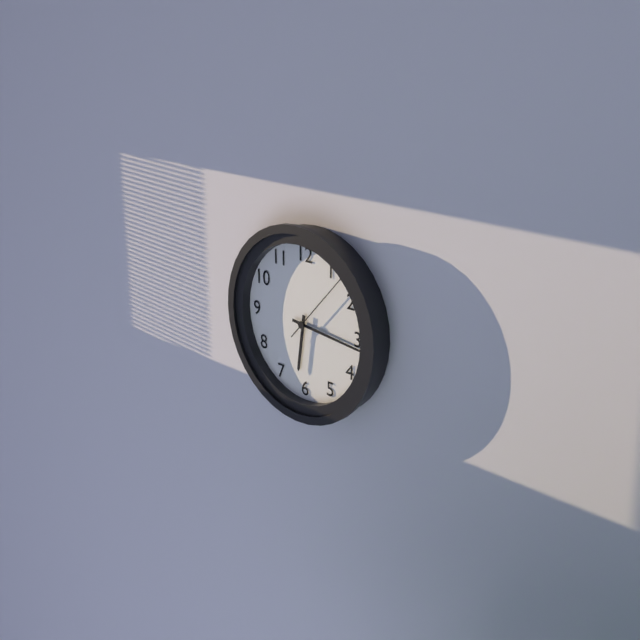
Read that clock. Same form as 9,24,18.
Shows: 6,16,07
